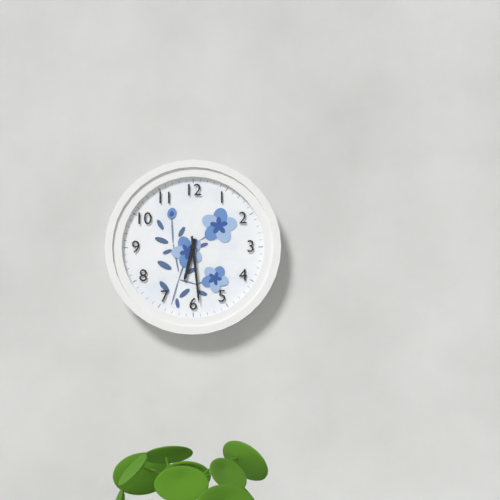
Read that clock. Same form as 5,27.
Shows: 6,29
